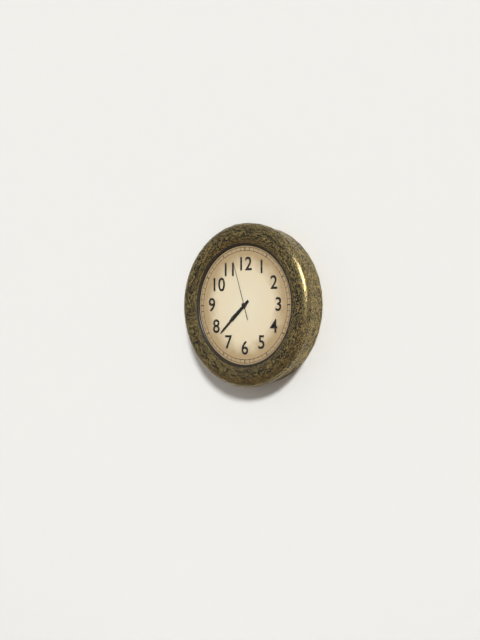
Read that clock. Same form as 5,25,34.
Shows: 7,38,57
